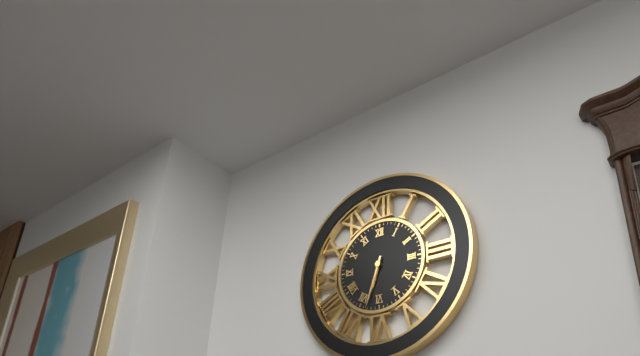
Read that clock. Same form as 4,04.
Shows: 6,33
